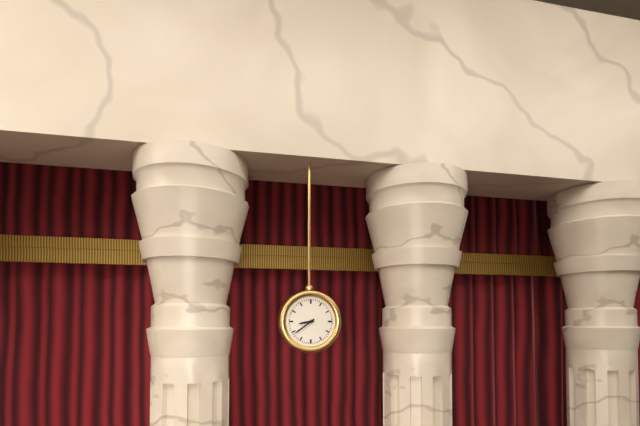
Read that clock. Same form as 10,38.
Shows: 8,39
